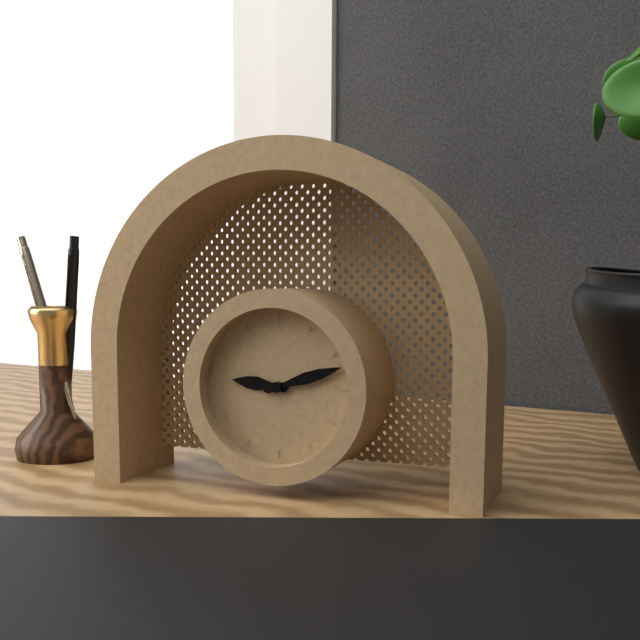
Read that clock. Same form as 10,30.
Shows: 9,12
